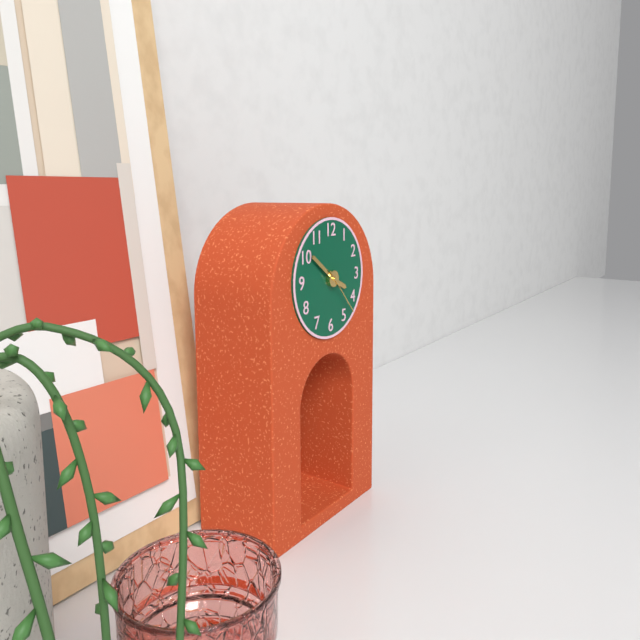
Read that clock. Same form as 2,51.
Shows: 3,51
